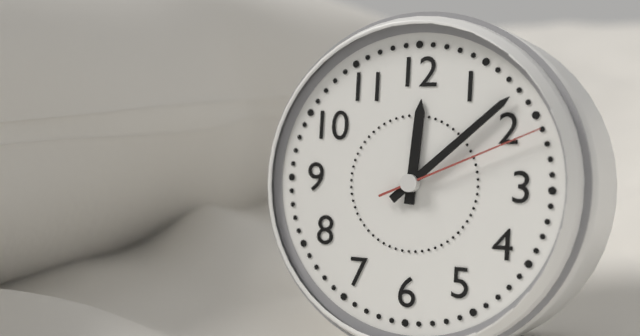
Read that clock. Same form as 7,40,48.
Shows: 12,08,11
